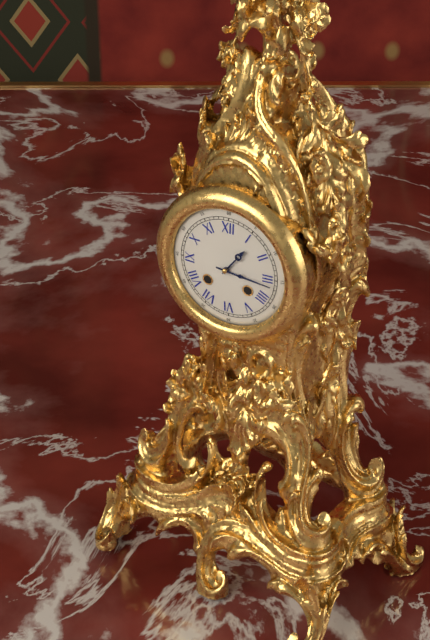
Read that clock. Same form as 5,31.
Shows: 1,16
